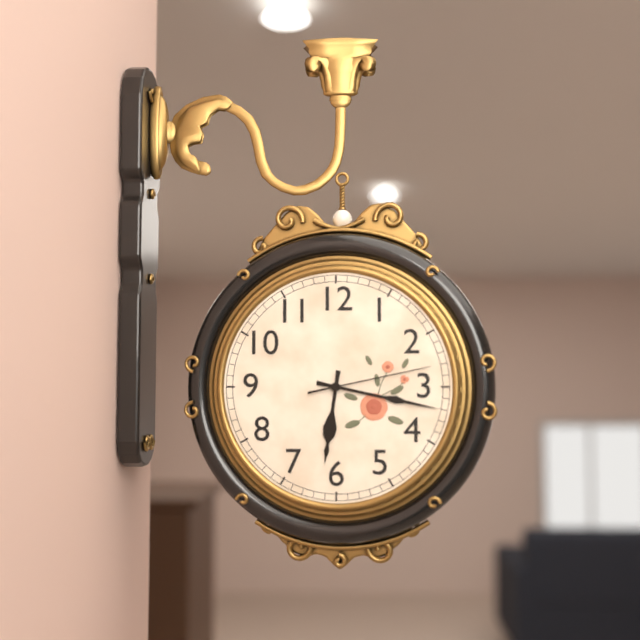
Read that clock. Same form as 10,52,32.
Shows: 6,17,13
